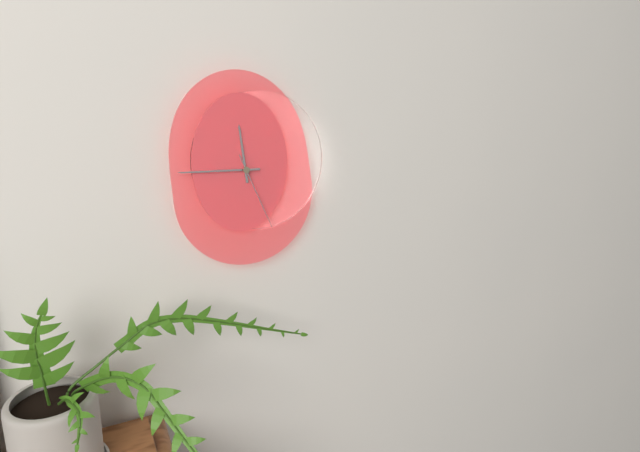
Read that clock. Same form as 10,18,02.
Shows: 11,45,26
